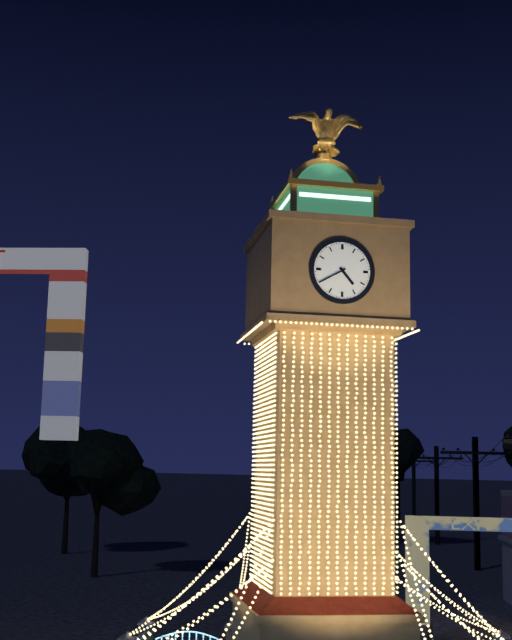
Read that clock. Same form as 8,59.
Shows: 4,40
